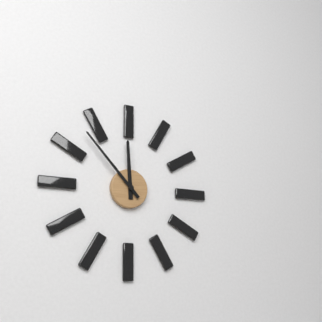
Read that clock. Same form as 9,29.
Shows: 11,53
